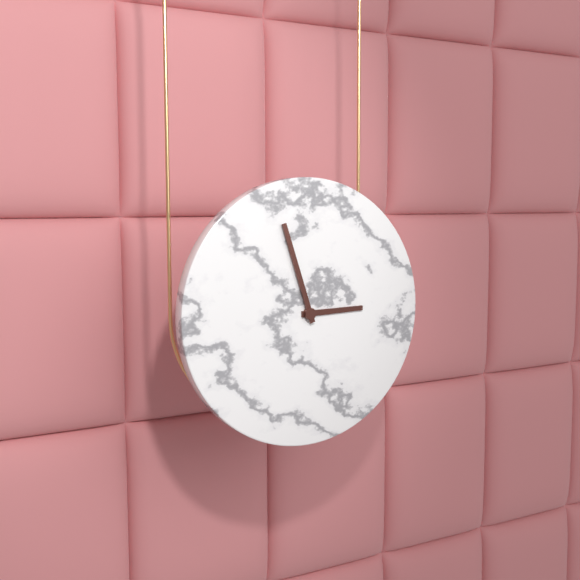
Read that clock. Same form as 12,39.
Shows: 2,57
